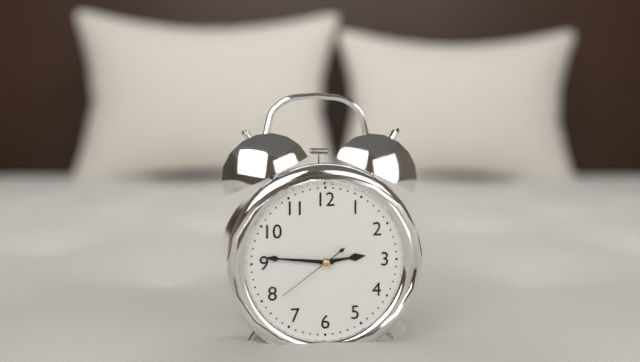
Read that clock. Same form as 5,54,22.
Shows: 2,46,39
